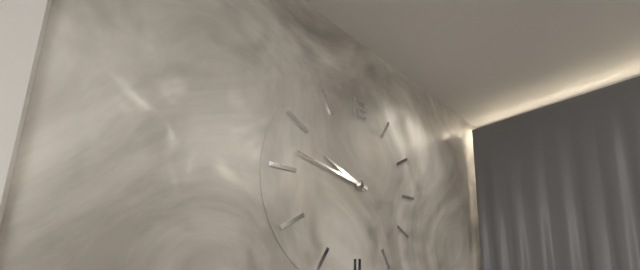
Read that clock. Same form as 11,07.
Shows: 9,47
